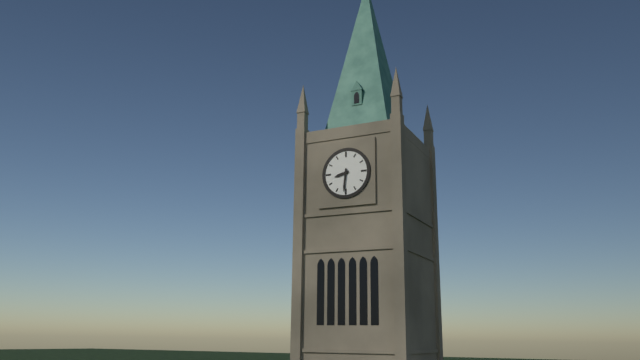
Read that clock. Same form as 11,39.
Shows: 8,31
